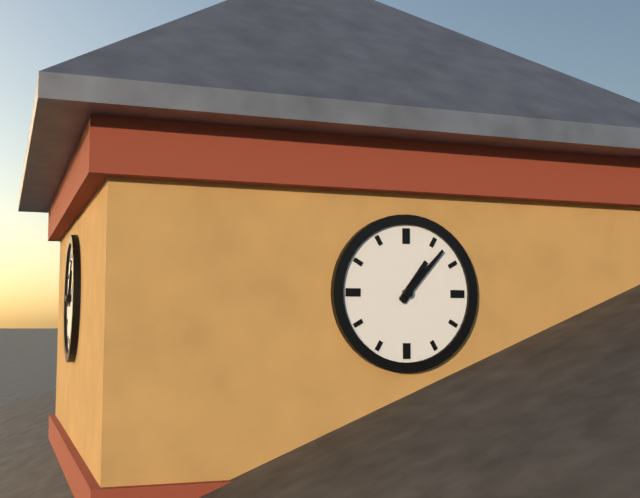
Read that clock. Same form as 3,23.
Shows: 1,07
